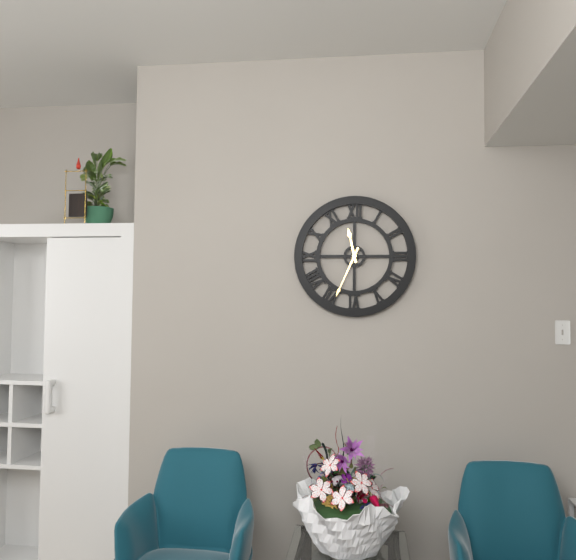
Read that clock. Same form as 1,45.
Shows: 11,34
